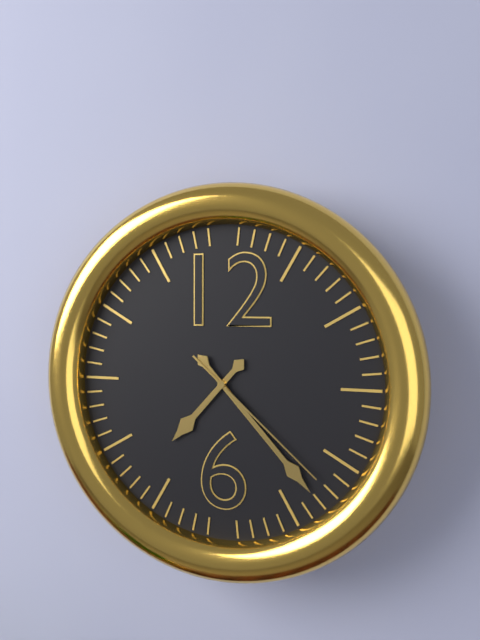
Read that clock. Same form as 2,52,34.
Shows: 7,23,22
